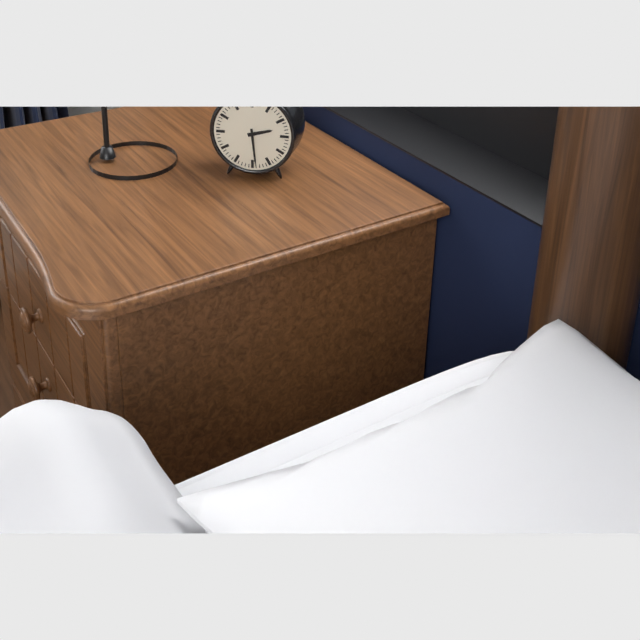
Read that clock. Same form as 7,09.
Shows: 2,29
